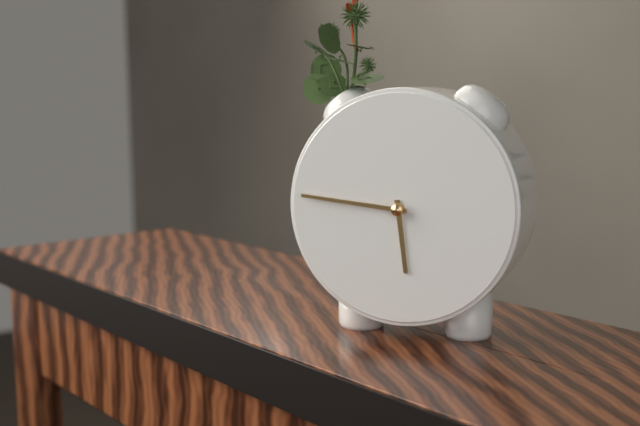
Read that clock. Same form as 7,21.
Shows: 5,46
